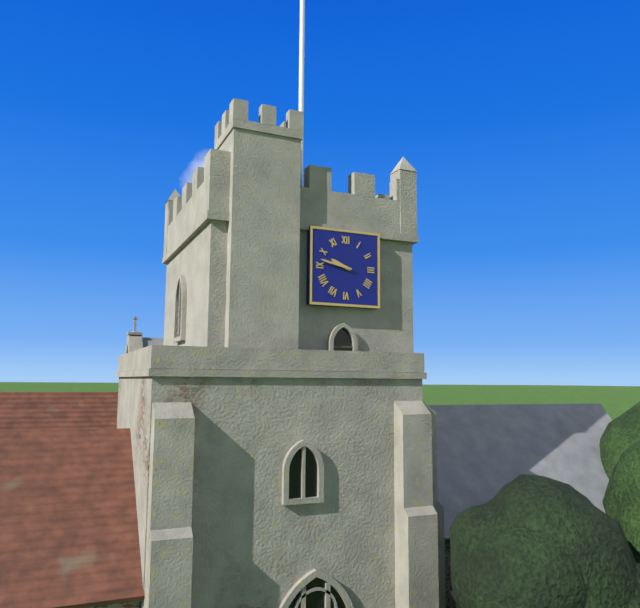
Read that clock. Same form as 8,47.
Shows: 9,47
